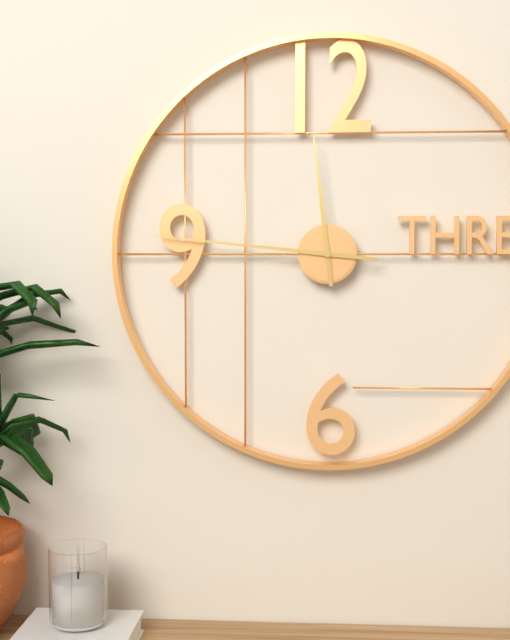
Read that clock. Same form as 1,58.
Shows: 11,46
